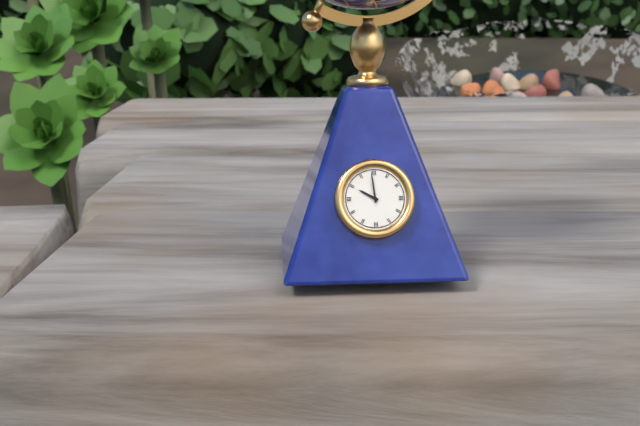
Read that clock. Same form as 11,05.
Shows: 9,59
